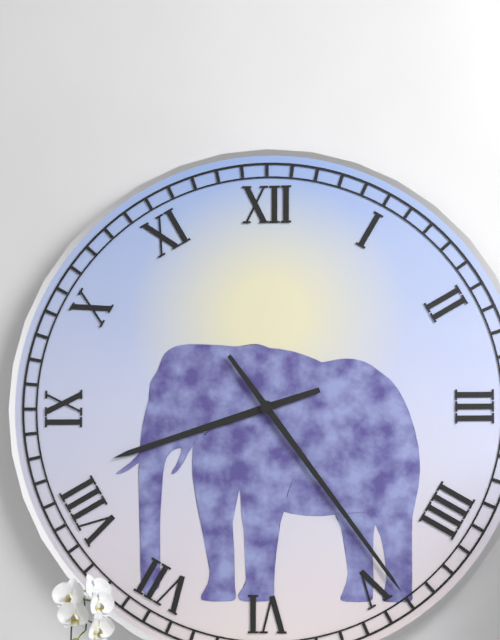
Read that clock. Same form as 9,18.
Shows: 8,24
